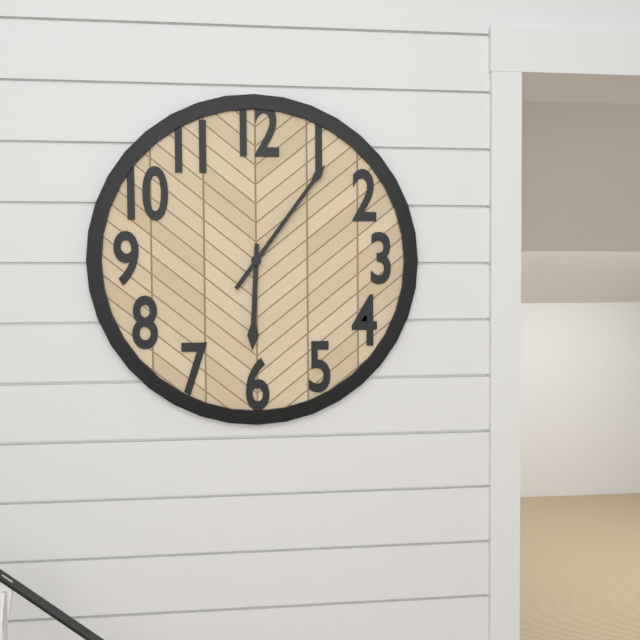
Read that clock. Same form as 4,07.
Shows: 6,06
